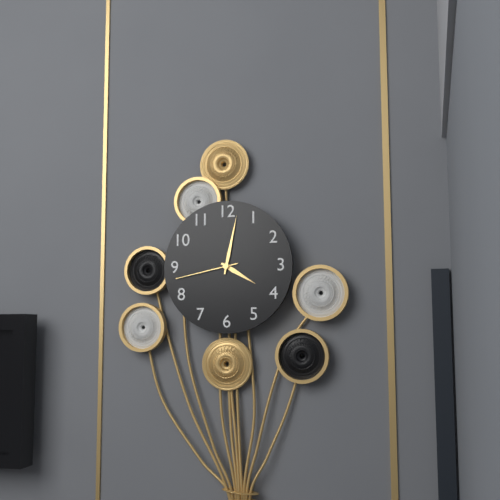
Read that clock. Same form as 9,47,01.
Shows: 4,02,43
